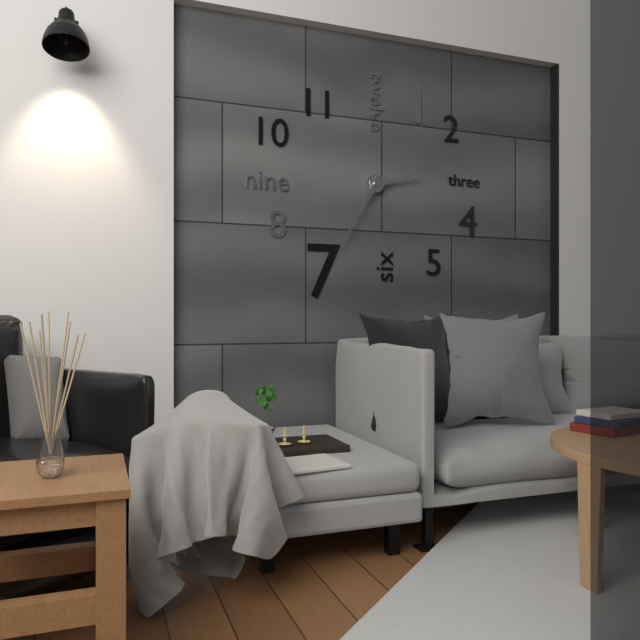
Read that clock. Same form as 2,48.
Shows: 2,35
